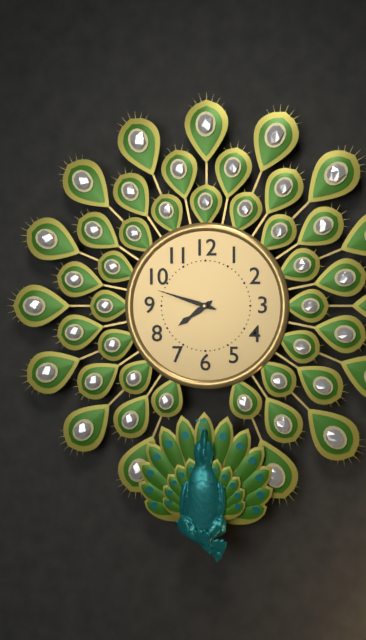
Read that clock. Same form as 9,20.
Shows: 7,48
